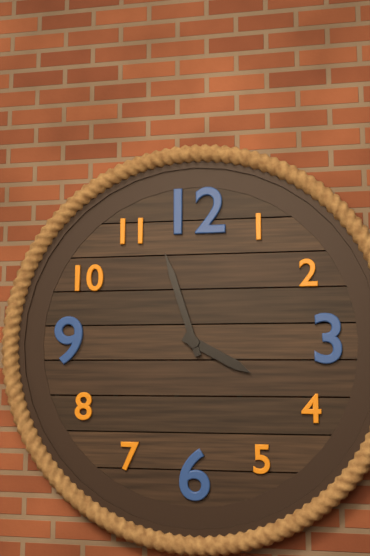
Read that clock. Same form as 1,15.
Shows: 3,57
